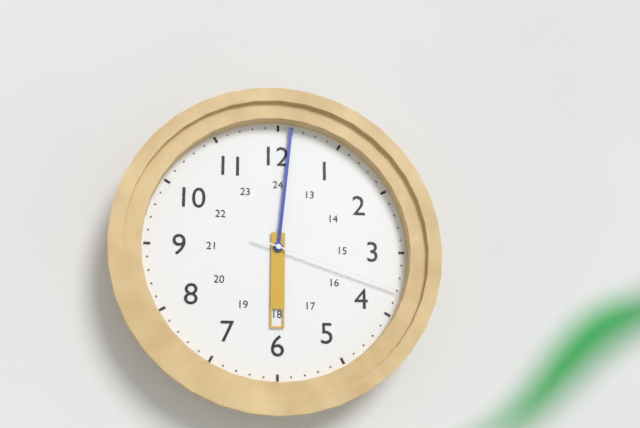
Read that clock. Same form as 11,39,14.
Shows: 6,01,18
